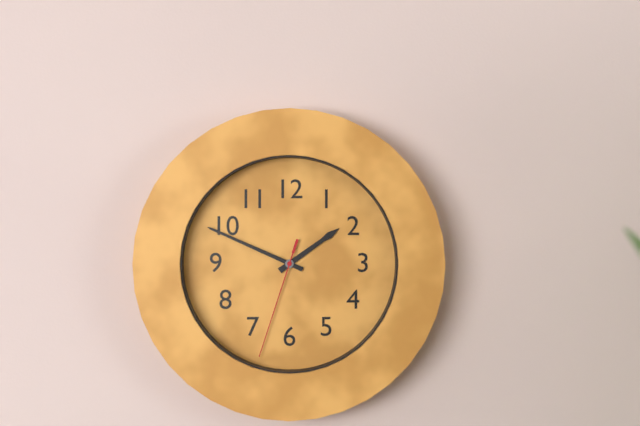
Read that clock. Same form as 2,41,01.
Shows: 1,49,33
